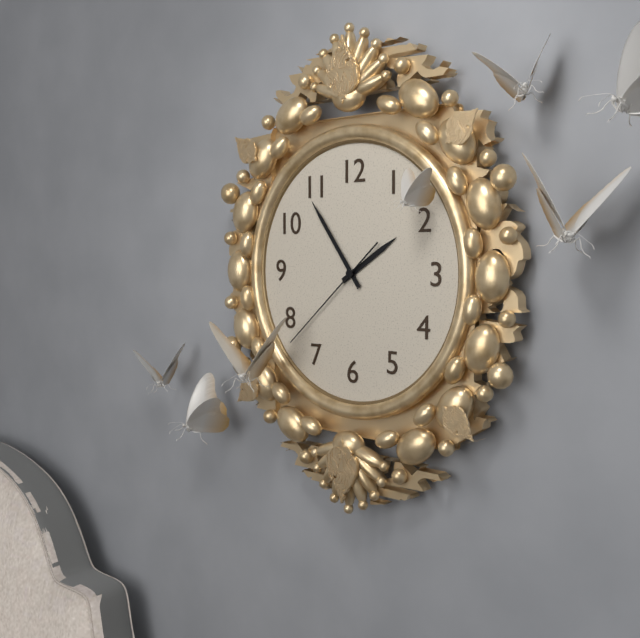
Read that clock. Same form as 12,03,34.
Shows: 1,54,38
